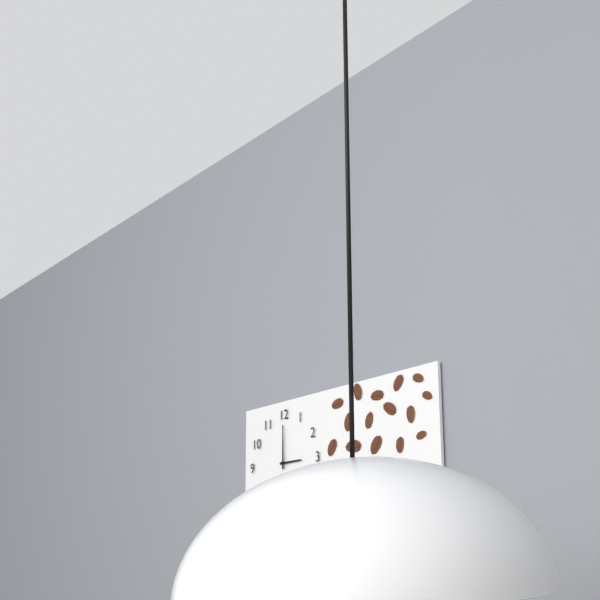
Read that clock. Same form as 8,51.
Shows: 3,00
